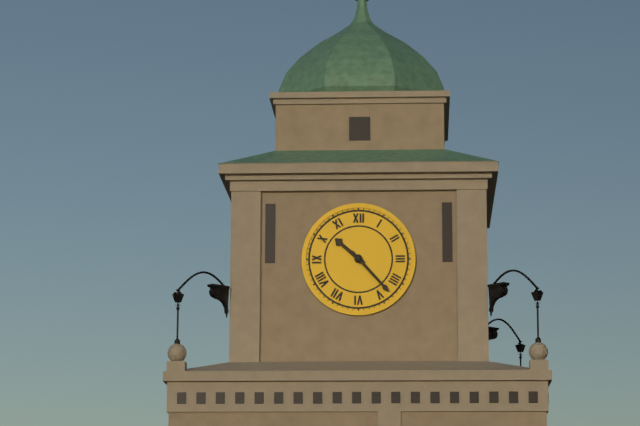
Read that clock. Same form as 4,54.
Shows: 10,23
